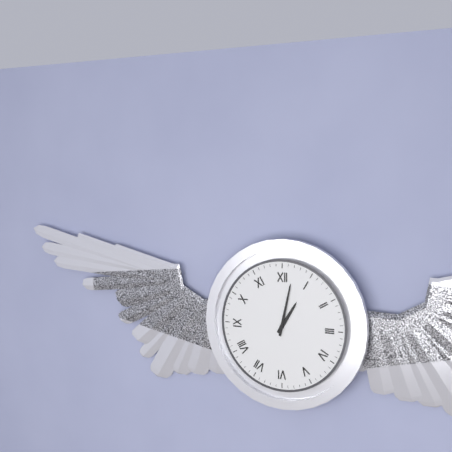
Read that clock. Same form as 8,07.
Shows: 1,02
